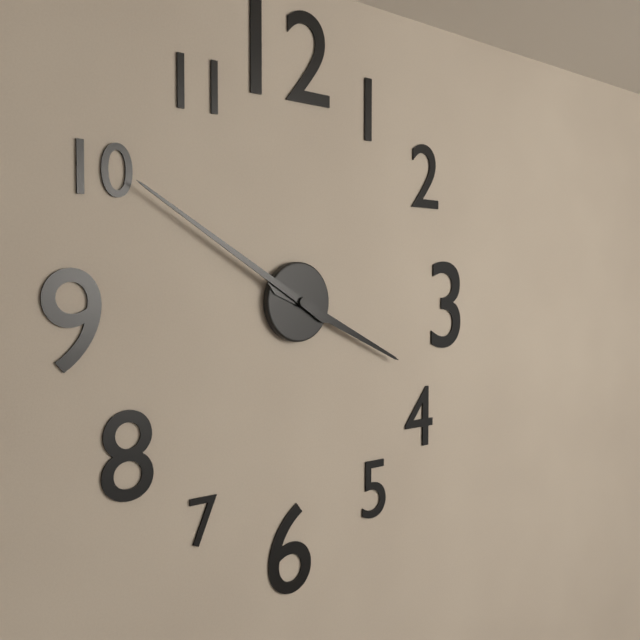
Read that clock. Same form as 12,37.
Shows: 3,50
